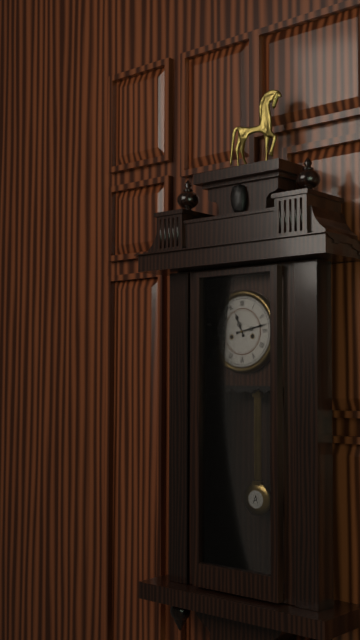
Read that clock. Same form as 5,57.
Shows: 11,13
